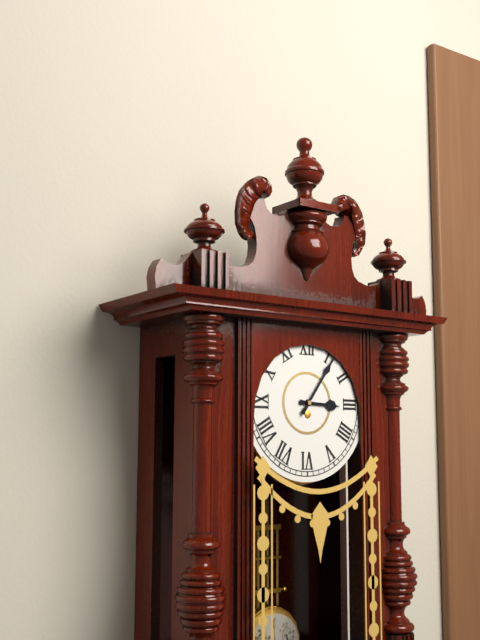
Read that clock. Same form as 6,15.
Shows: 3,06
